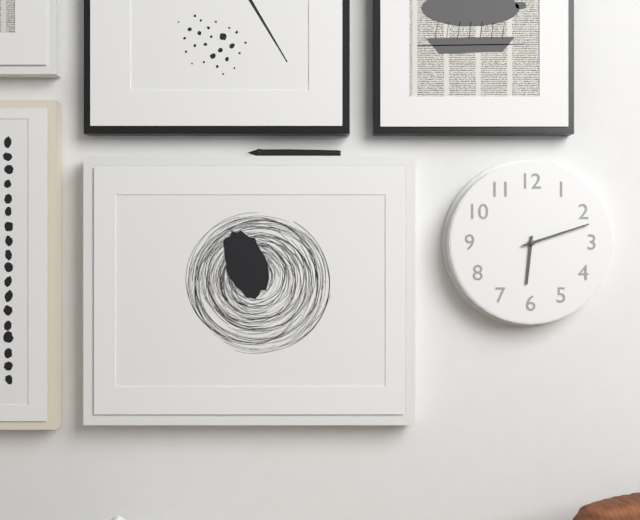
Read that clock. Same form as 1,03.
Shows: 6,12
